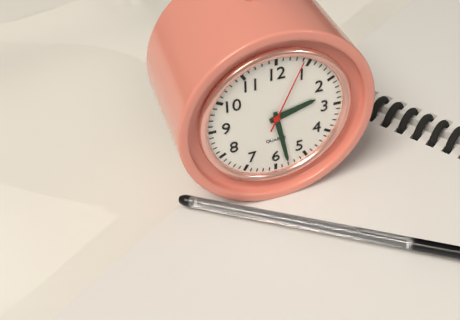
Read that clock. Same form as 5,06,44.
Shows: 2,28,04
